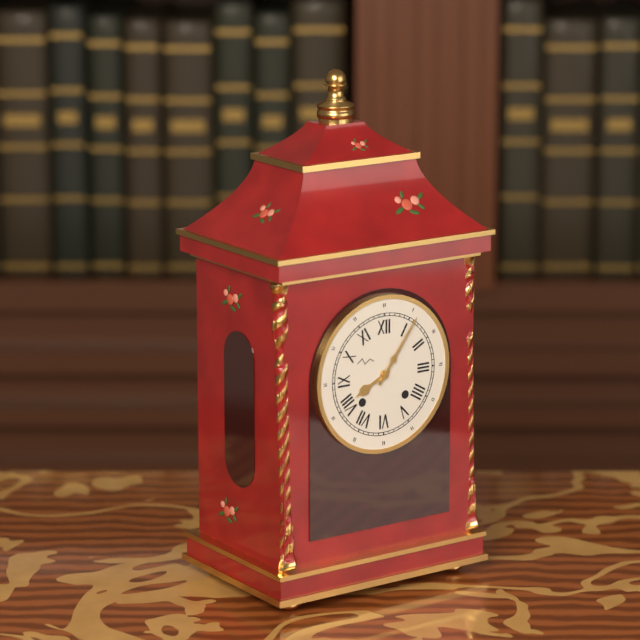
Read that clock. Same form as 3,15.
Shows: 8,06
